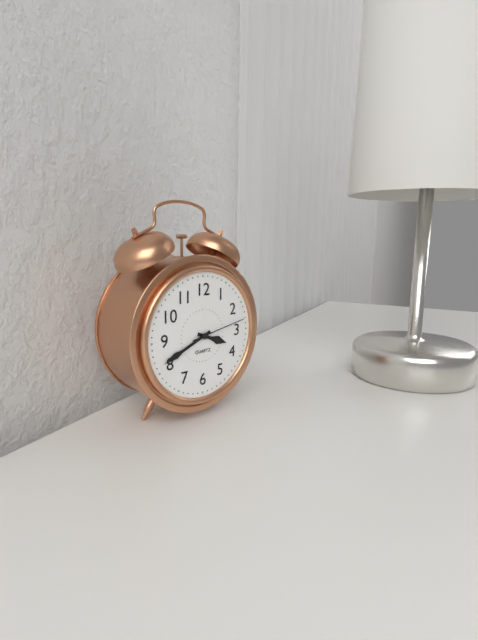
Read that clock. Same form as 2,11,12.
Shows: 3,41,13
